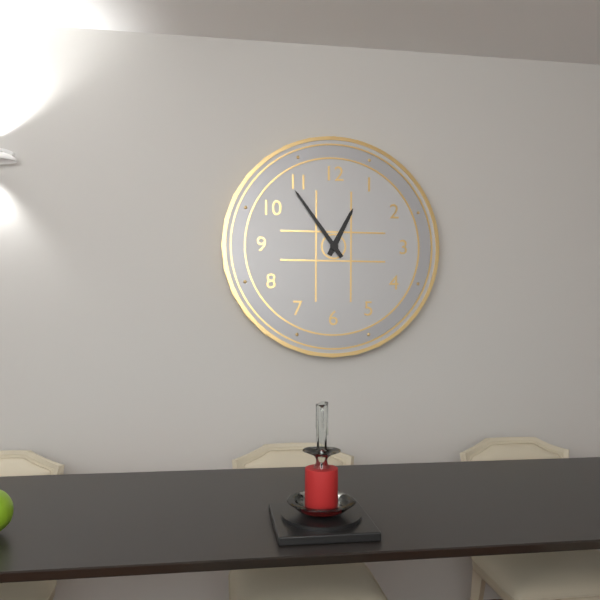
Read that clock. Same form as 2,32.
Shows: 12,54
